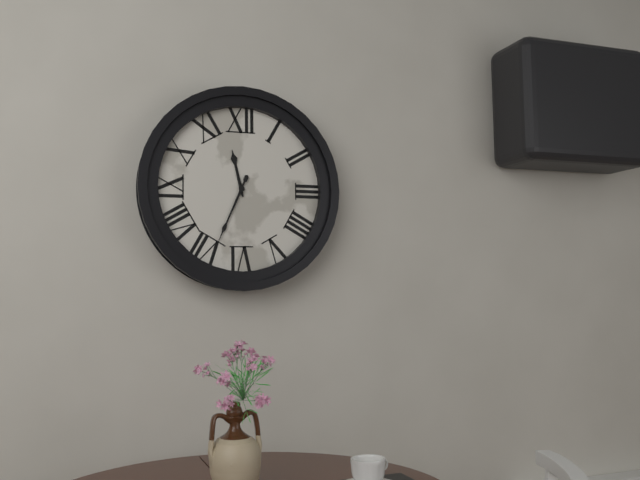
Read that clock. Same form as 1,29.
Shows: 11,34
